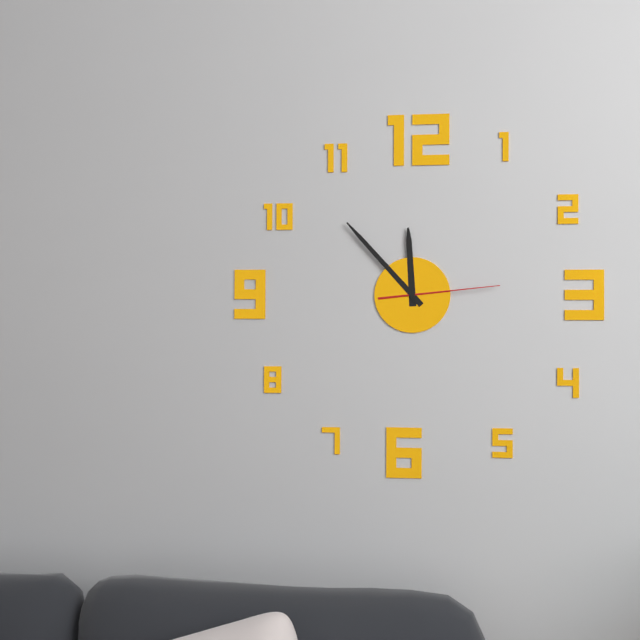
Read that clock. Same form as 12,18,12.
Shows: 11,53,14
